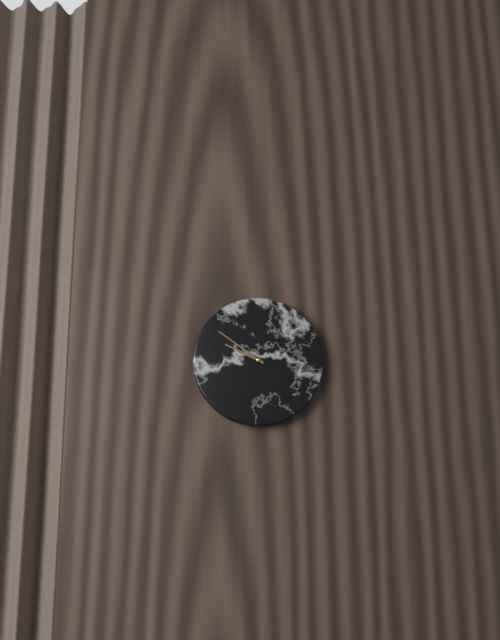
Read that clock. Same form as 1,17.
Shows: 9,51
